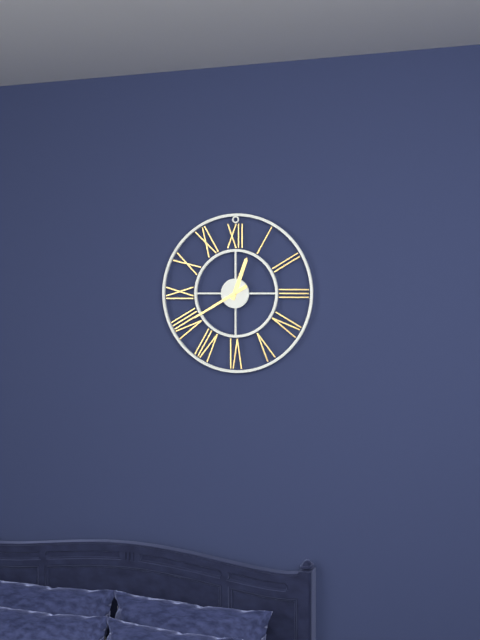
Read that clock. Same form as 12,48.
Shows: 12,40
